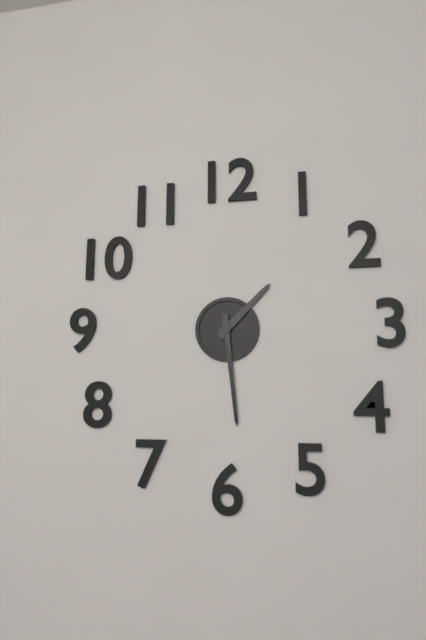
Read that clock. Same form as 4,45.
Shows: 1,29
